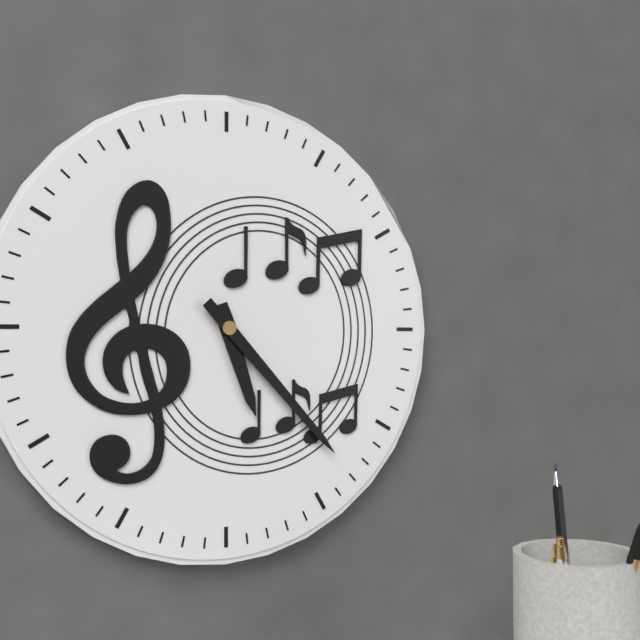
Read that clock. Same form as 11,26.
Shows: 5,23
